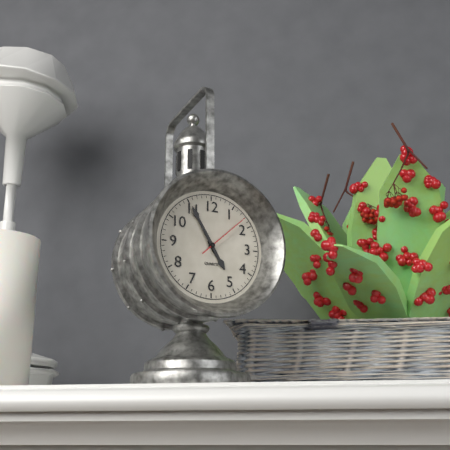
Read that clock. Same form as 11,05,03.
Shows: 4,55,08
